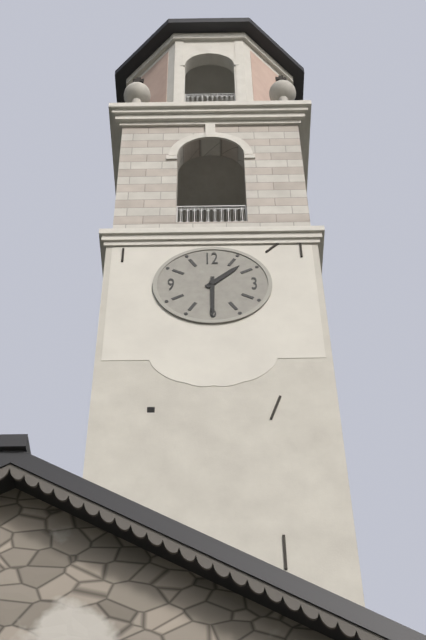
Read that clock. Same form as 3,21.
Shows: 1,30
